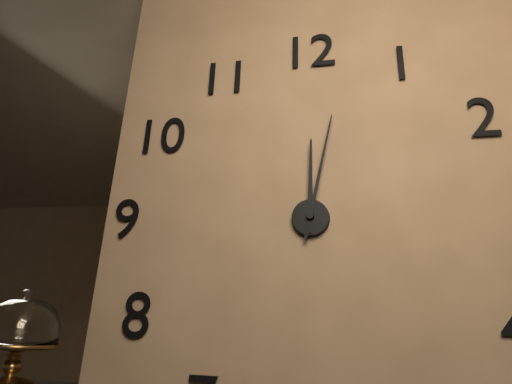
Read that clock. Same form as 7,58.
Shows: 12,02
